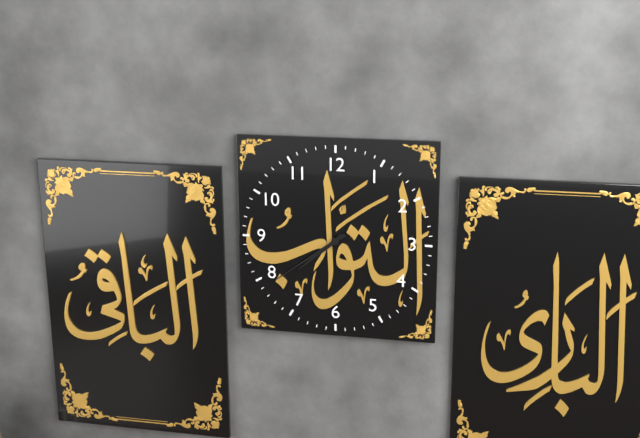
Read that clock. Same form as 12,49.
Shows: 7,39
